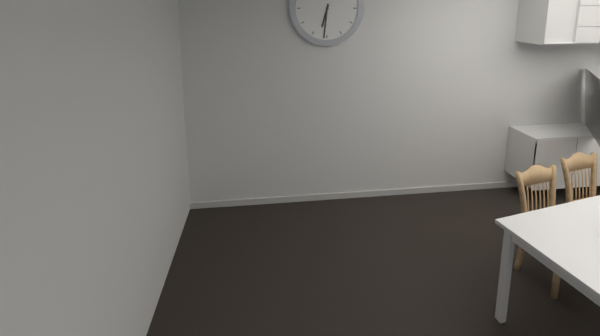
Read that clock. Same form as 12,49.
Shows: 6,31
